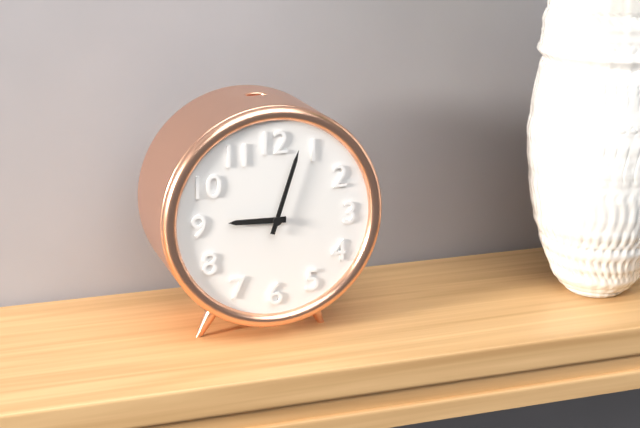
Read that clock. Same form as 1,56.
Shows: 9,03
